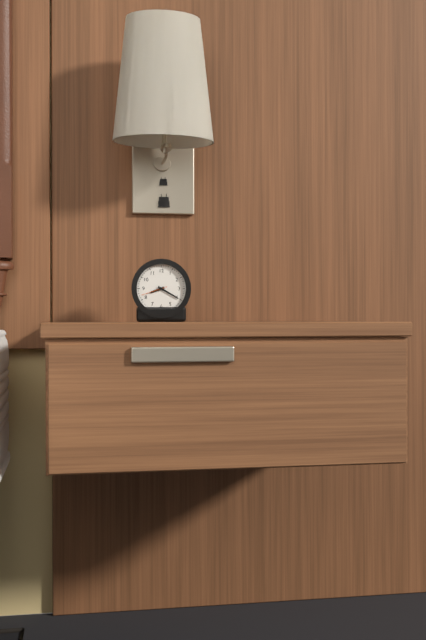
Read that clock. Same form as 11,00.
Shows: 8,20
